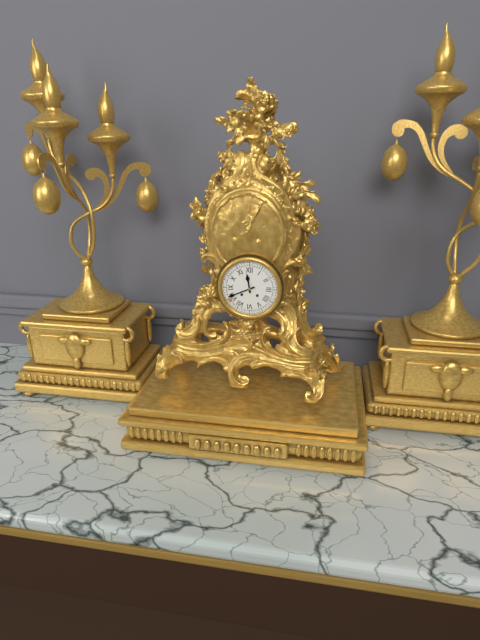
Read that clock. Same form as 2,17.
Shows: 11,41
